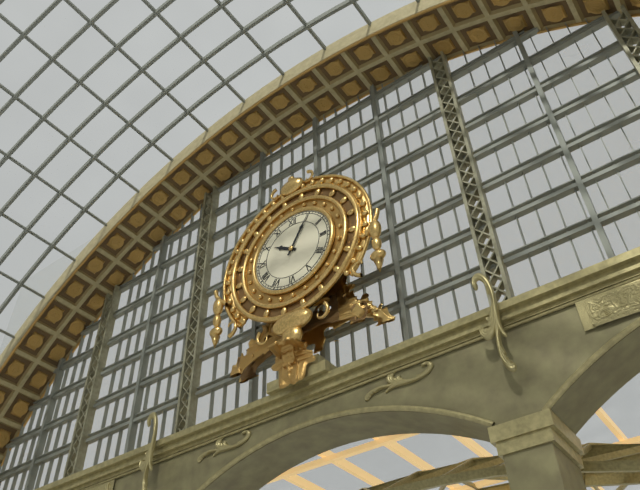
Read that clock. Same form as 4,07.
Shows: 10,05
